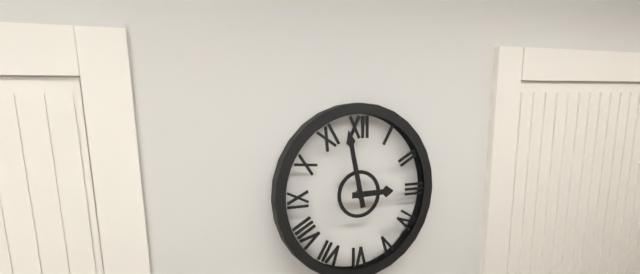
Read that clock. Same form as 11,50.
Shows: 2,58
